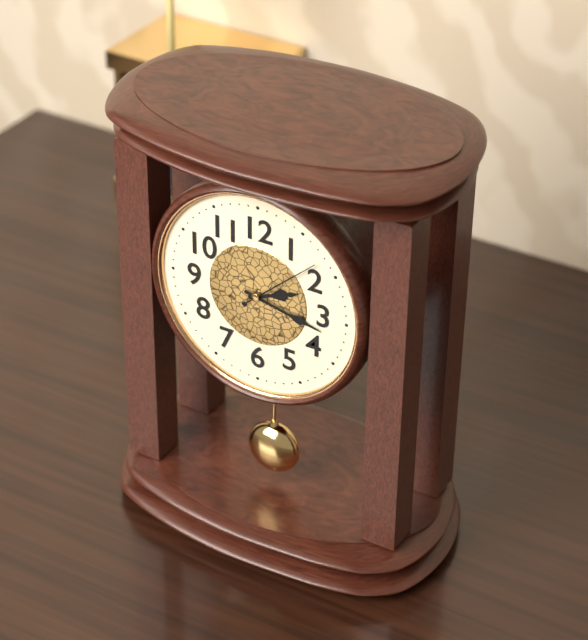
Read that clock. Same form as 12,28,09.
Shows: 2,17,08
